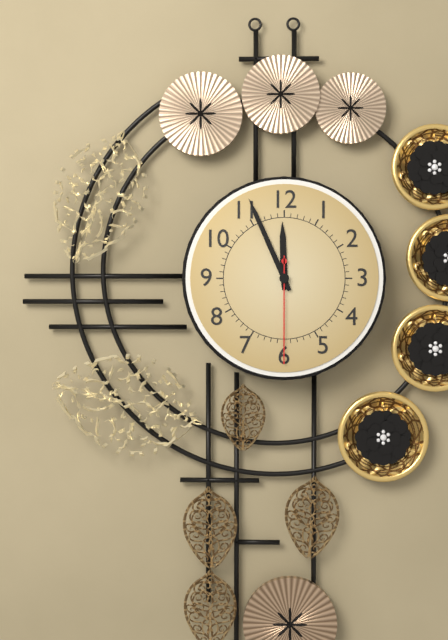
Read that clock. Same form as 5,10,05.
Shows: 11,56,30
